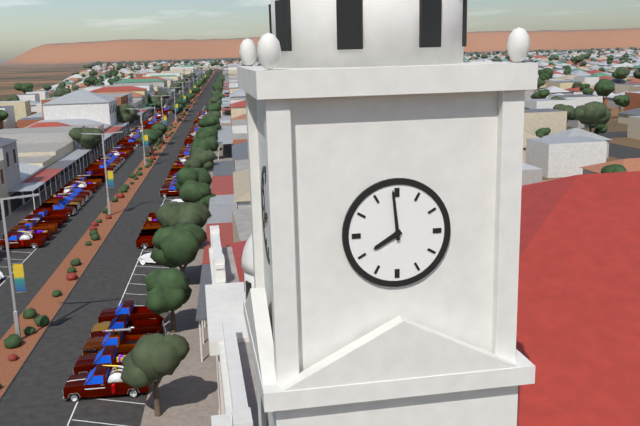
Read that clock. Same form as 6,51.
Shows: 7,59
